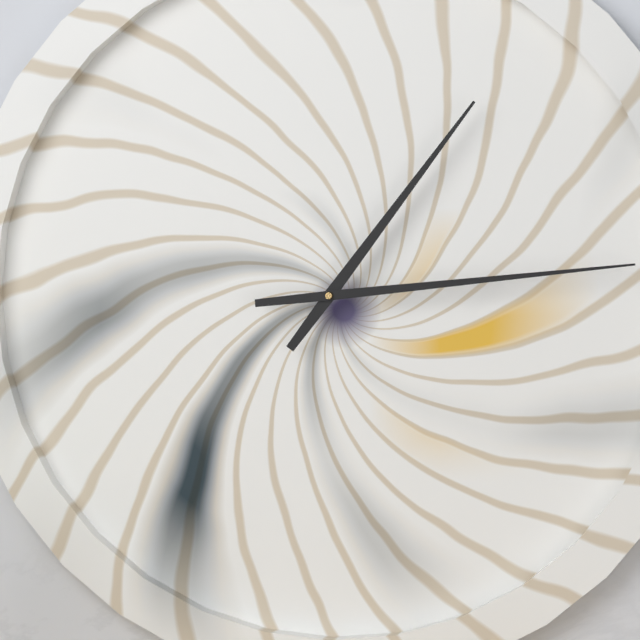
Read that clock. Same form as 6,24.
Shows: 1,14
